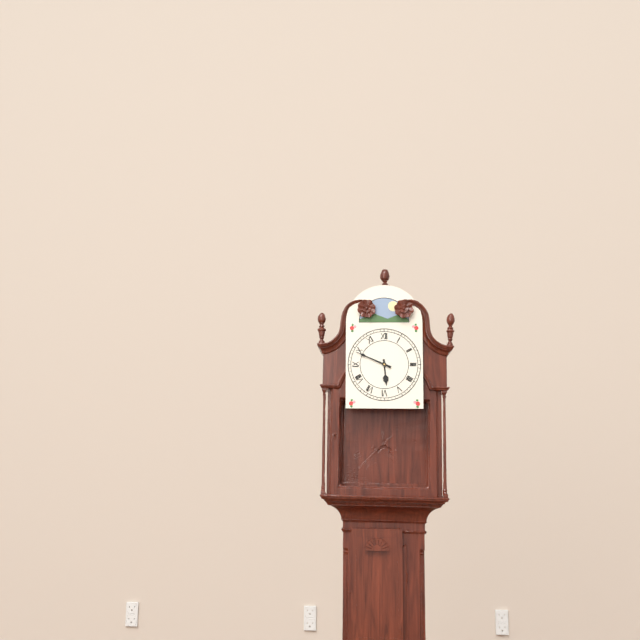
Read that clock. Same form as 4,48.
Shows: 5,49
